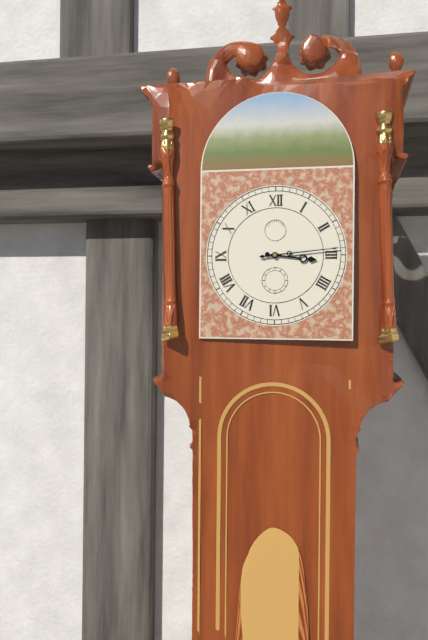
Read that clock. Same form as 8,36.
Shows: 3,14
